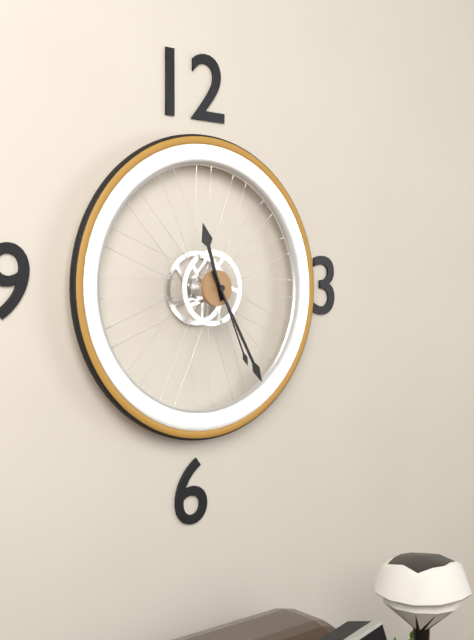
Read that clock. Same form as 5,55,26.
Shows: 11,25,26
